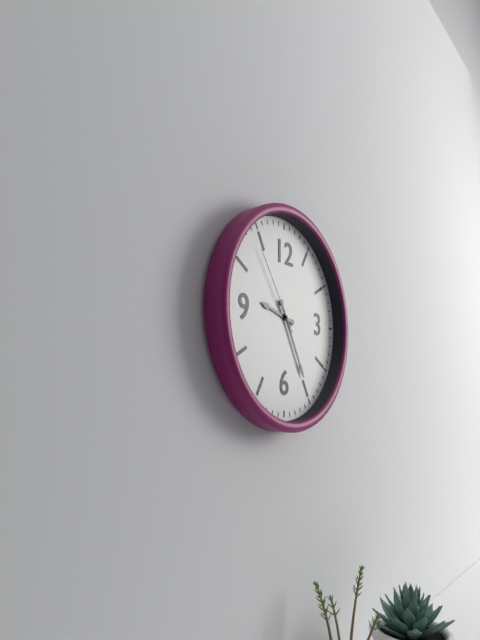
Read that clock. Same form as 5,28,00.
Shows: 9,25,54
